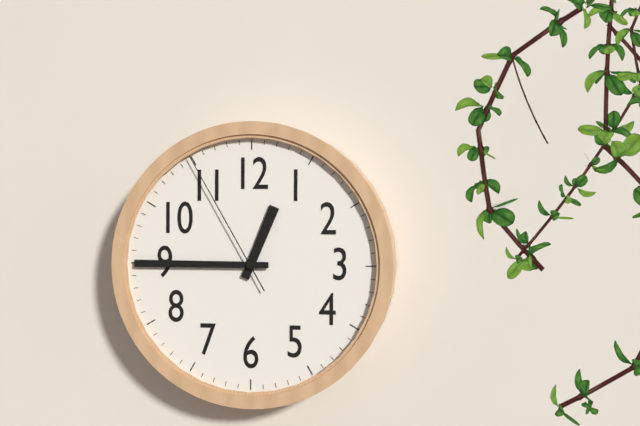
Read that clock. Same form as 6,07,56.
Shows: 12,45,55
